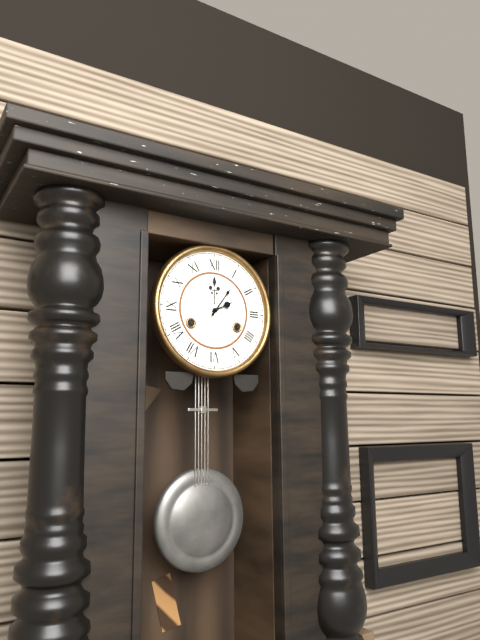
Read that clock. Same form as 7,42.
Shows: 2,06
